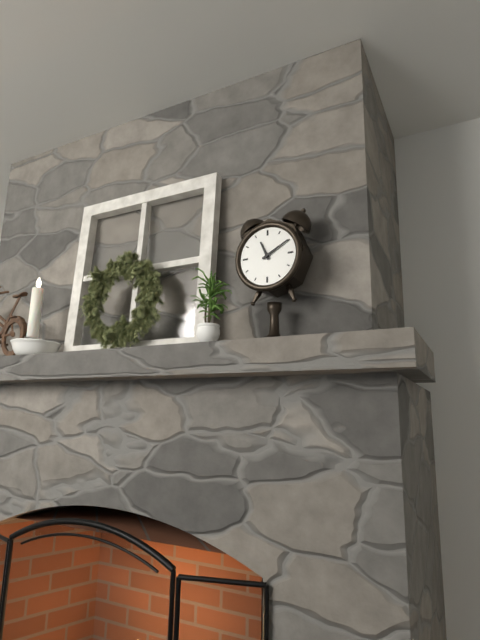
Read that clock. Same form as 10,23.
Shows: 11,10
